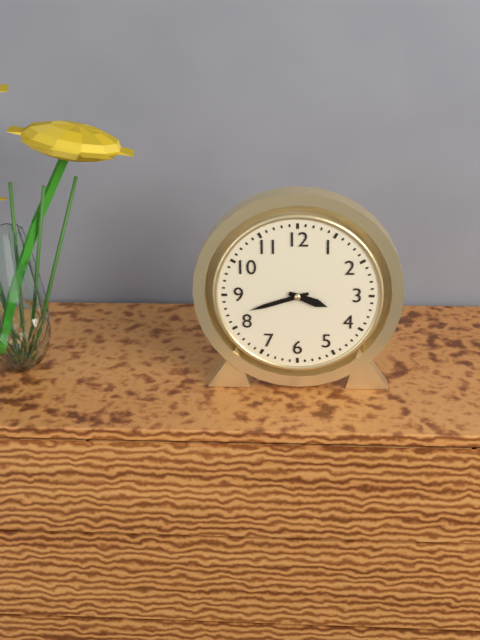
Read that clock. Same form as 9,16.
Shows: 3,42
